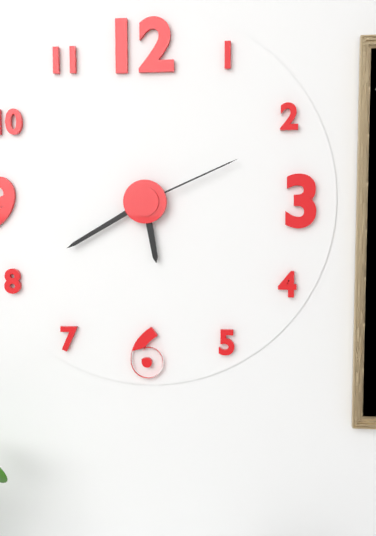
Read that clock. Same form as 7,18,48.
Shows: 5,40,11
